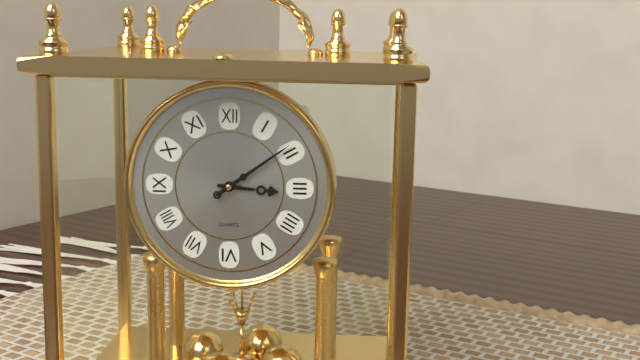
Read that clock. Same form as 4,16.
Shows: 3,09
